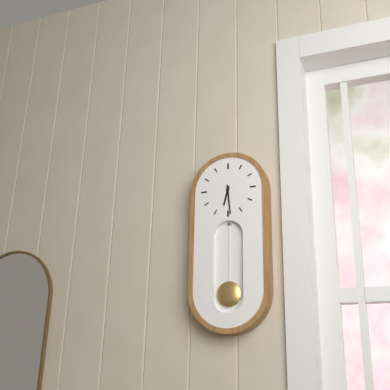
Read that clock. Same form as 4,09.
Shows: 6,29
